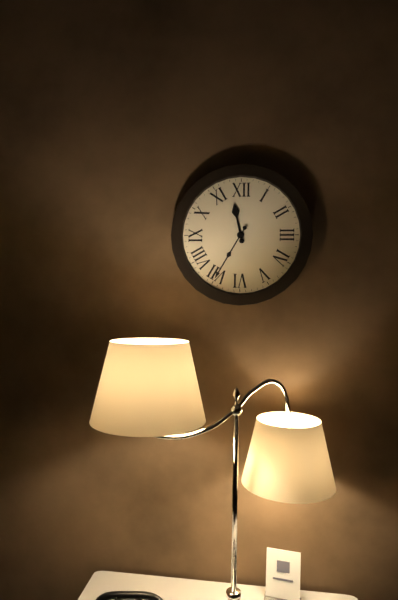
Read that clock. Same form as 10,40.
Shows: 11,35
